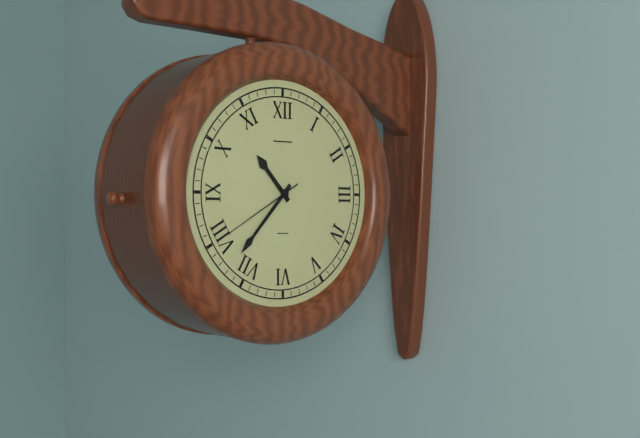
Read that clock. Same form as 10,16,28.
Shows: 10,37,40
